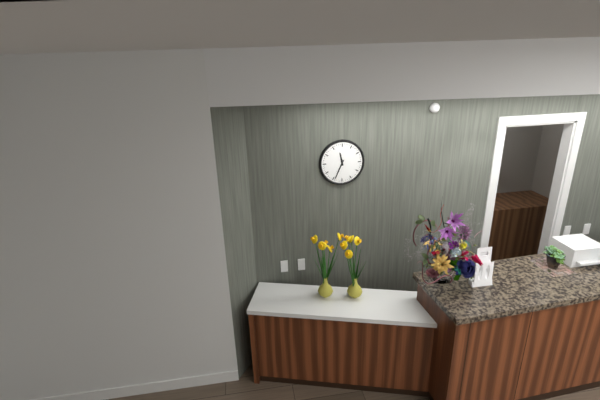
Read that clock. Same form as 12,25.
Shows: 11,34
